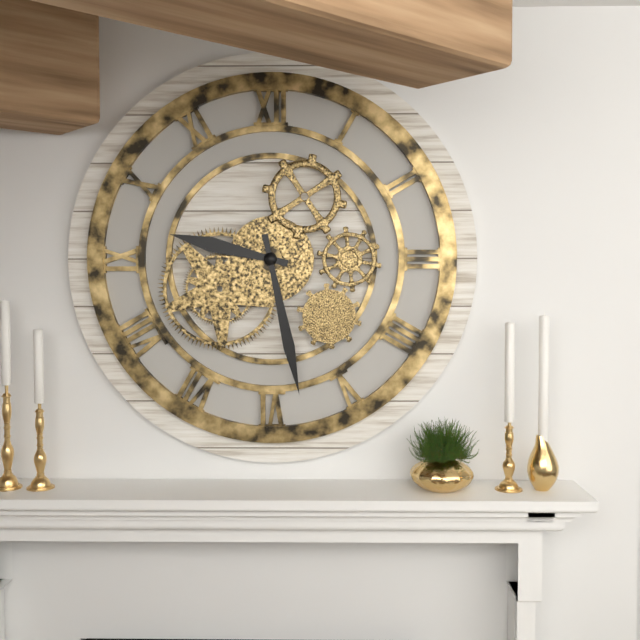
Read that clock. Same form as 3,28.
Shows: 9,28
